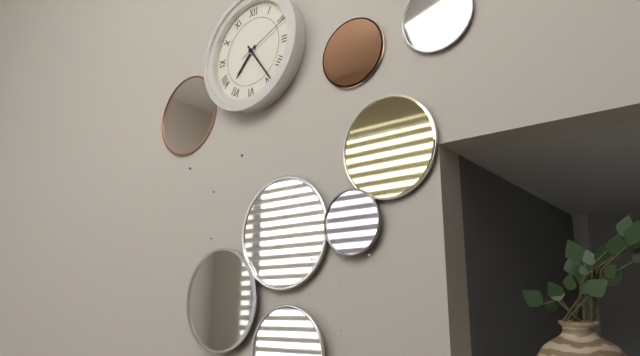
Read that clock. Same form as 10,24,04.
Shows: 7,24,11
